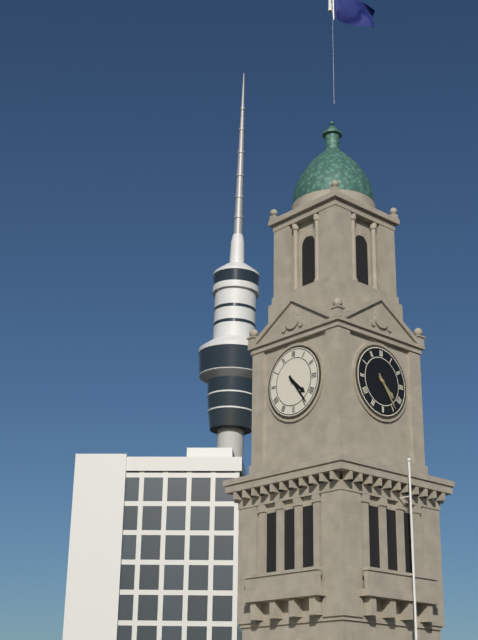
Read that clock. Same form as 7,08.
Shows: 4,24
